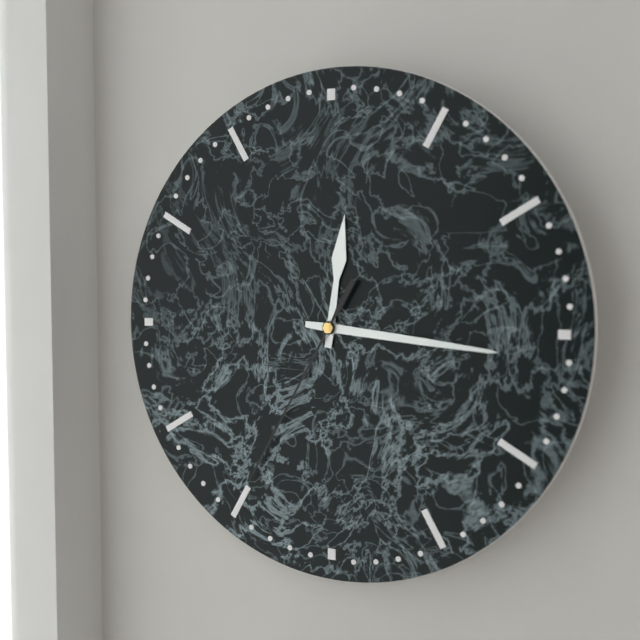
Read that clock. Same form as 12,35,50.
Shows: 12,16,35
